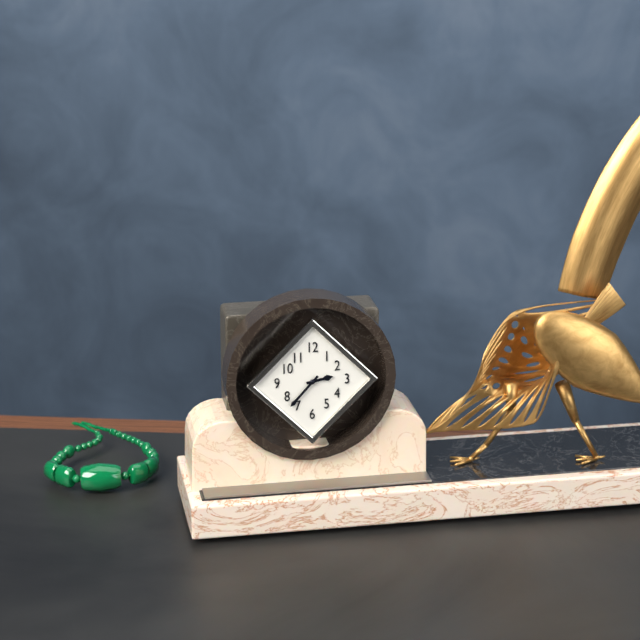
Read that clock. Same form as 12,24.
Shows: 2,37
